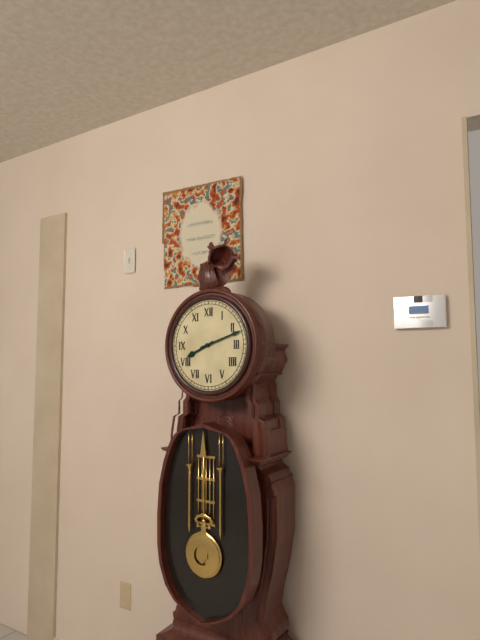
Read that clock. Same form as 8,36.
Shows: 8,12
